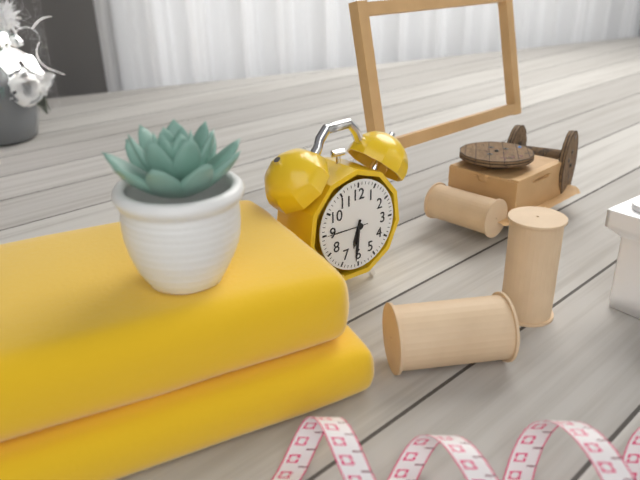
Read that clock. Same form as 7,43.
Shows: 6,31
